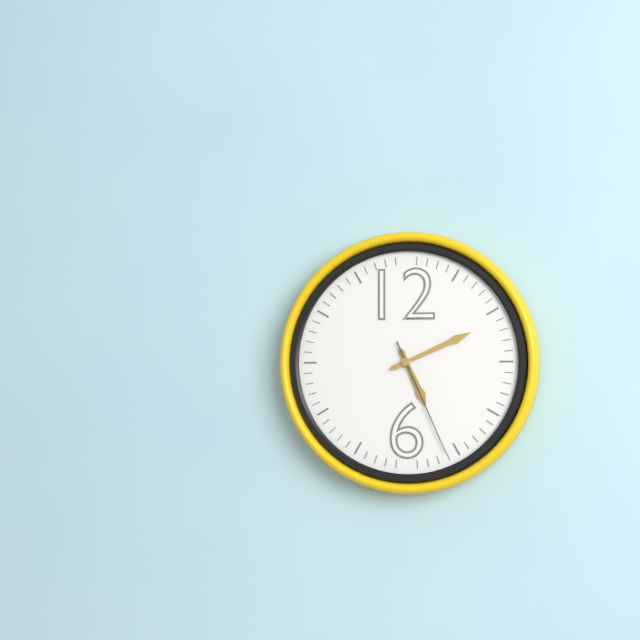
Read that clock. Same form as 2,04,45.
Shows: 5,11,26
